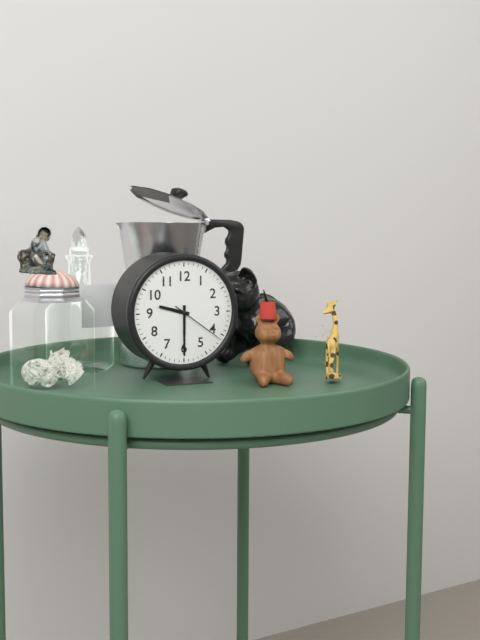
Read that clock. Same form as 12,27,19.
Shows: 9,30,21
